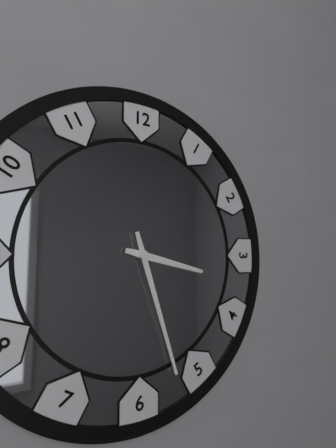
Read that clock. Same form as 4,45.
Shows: 3,27
